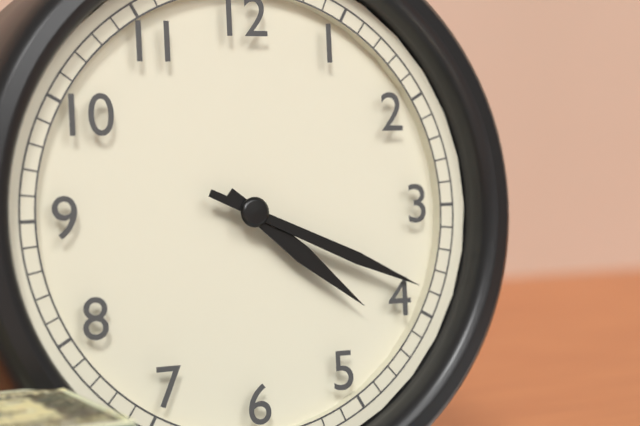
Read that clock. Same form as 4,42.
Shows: 4,19
